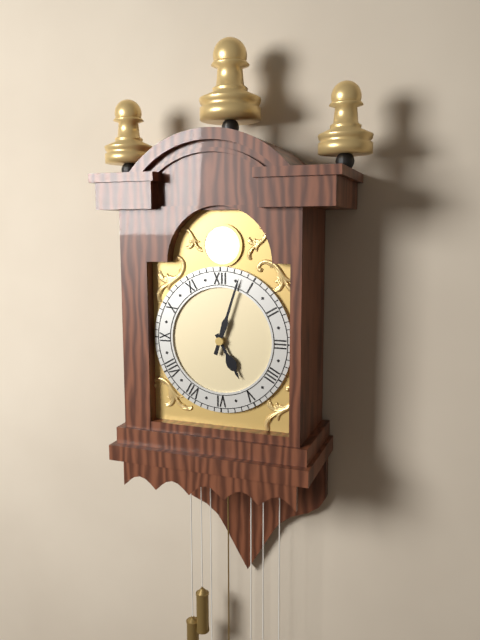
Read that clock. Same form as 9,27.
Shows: 5,03
